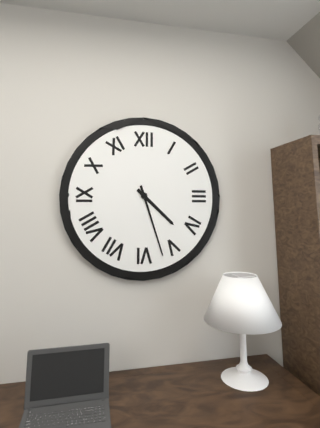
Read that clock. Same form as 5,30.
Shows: 4,27
